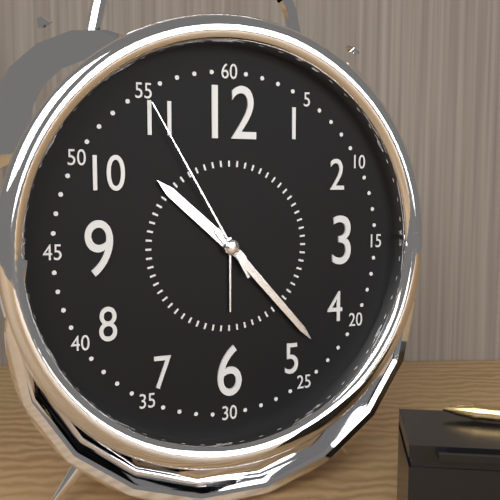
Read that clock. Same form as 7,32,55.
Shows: 10,23,55
